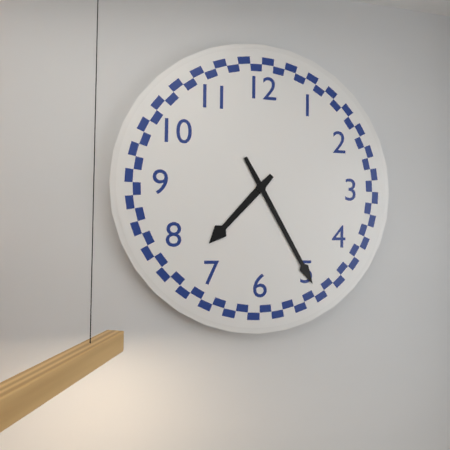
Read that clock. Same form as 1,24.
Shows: 7,25
